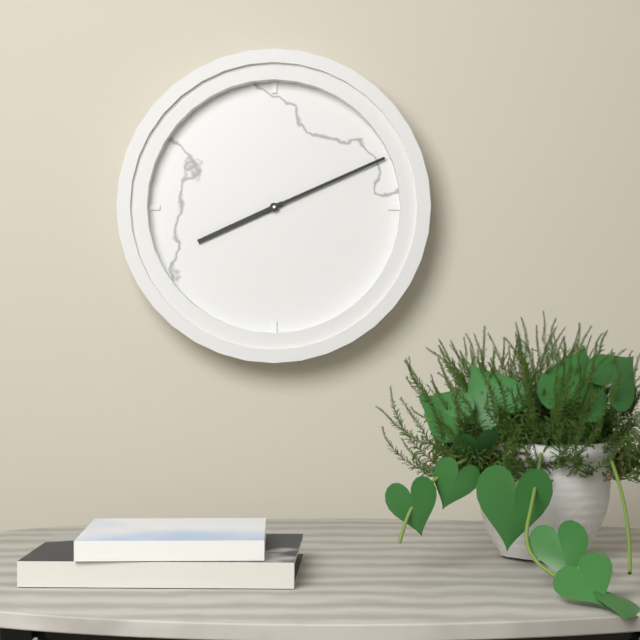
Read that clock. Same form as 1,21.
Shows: 8,11
